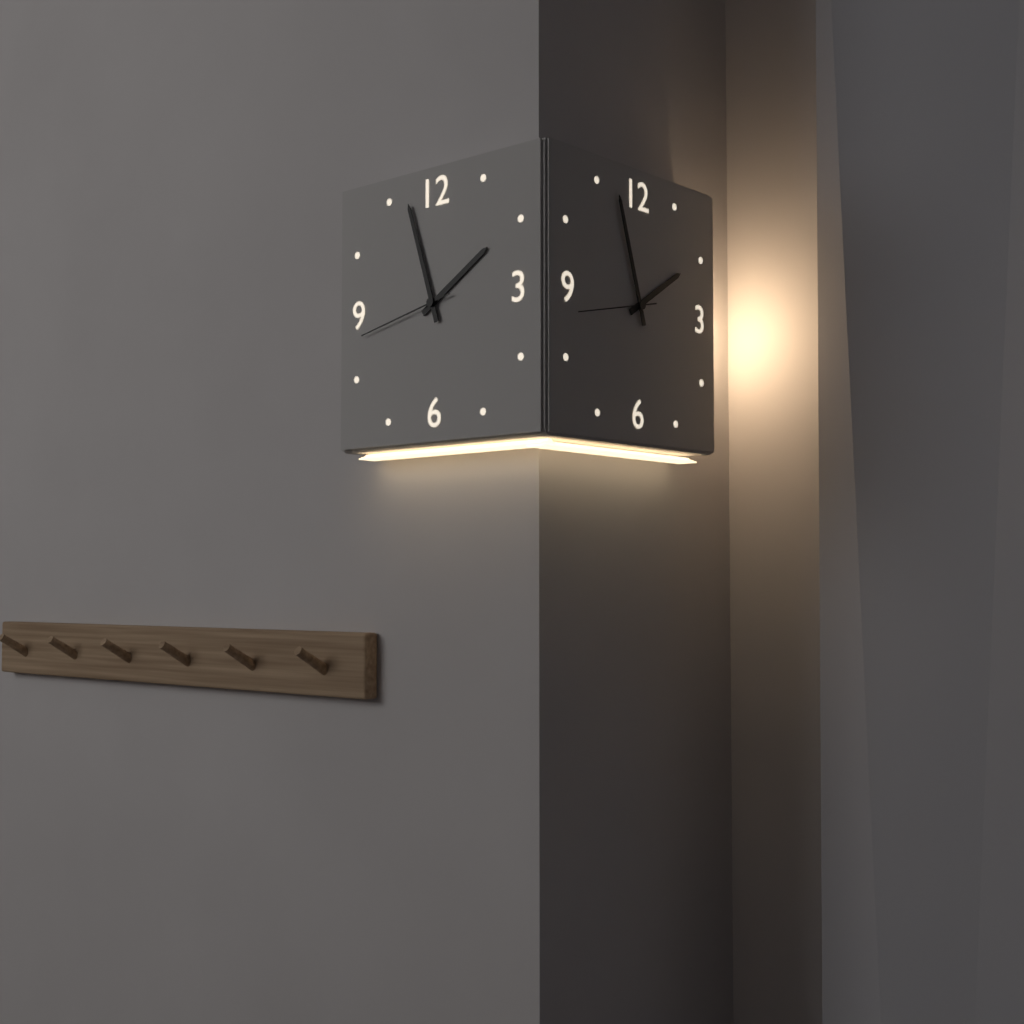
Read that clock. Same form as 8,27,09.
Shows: 1,57,43
